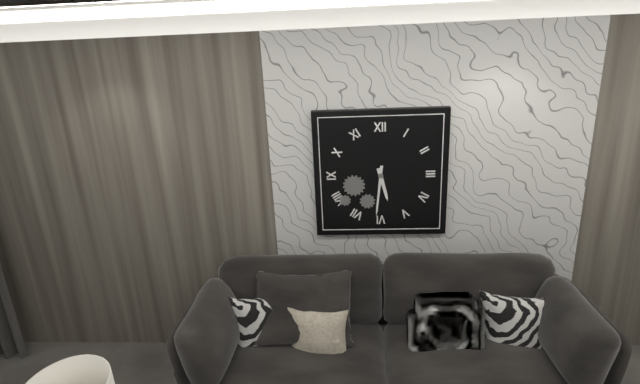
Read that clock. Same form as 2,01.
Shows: 5,31
